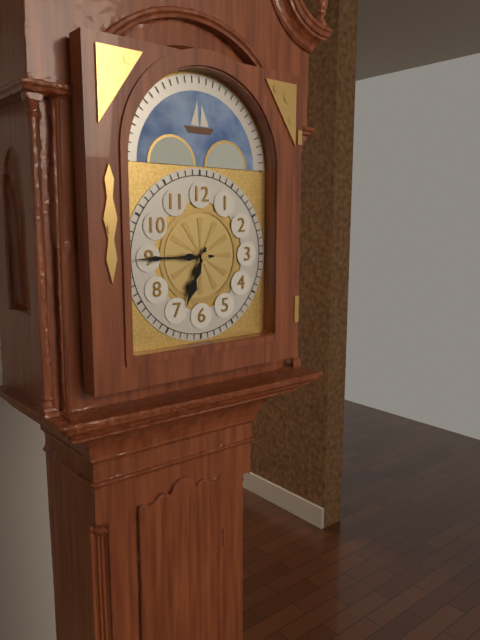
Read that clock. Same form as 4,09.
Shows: 6,45
